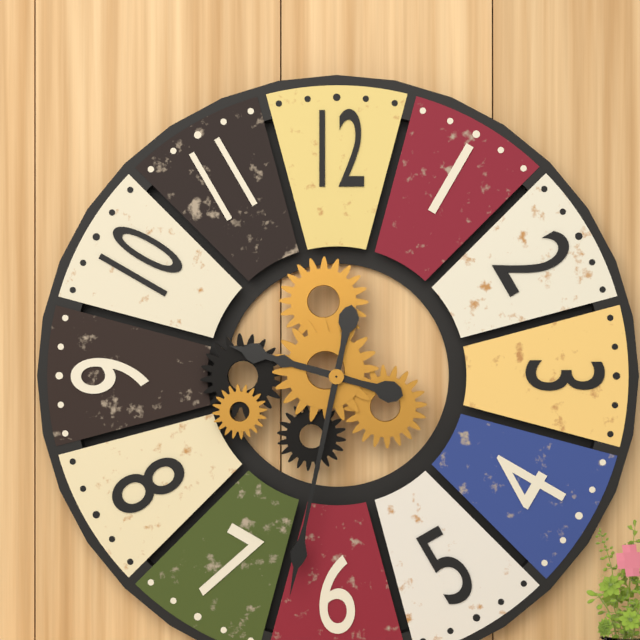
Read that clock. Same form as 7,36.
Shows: 9,32
